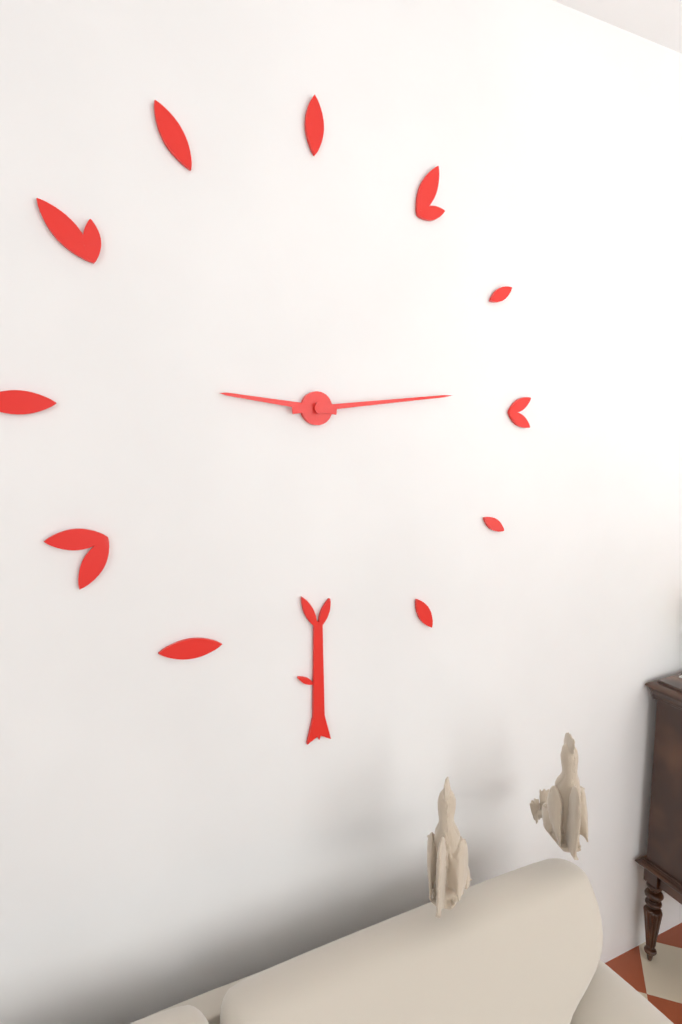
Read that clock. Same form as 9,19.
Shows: 9,14
